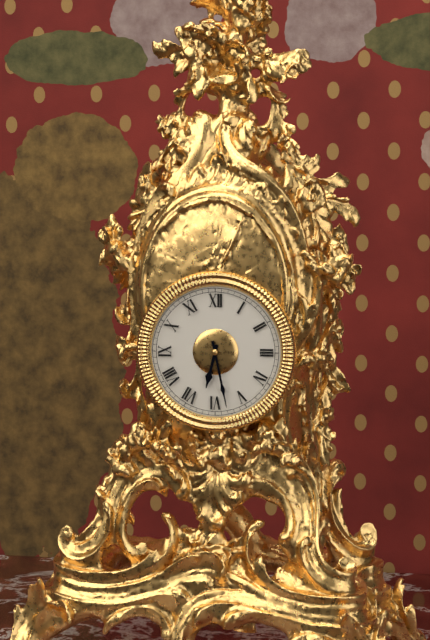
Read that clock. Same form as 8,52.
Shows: 6,28
